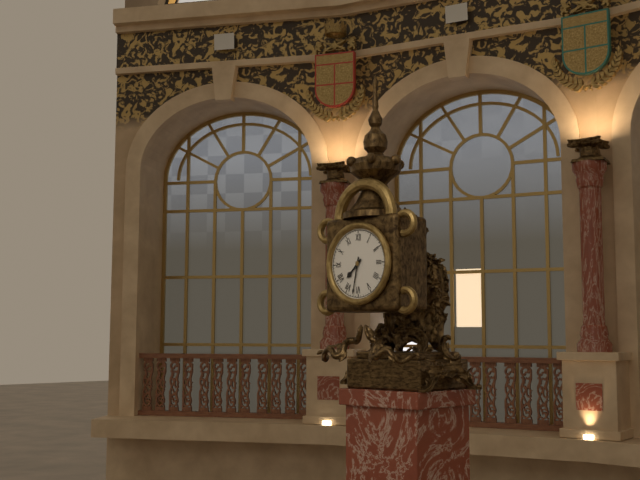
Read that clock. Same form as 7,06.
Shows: 7,32
